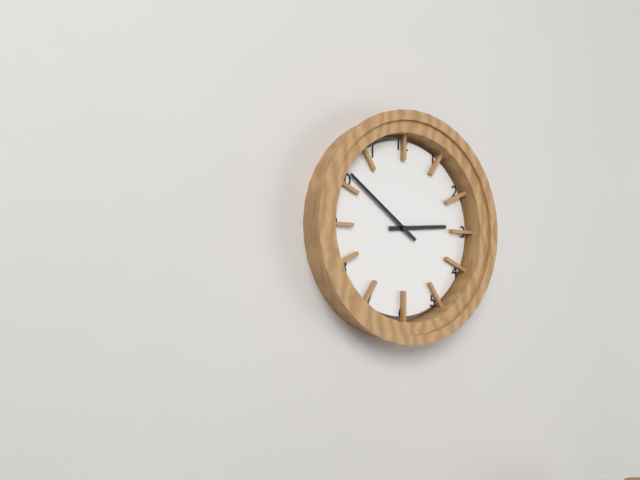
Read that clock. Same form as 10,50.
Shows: 2,51
